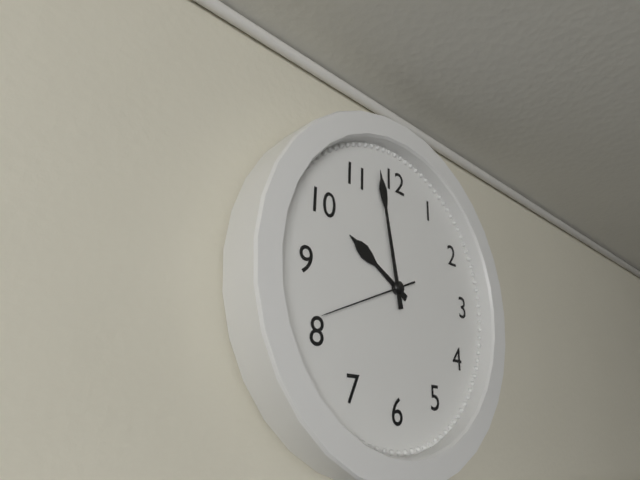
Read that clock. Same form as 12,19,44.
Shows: 9,58,41
